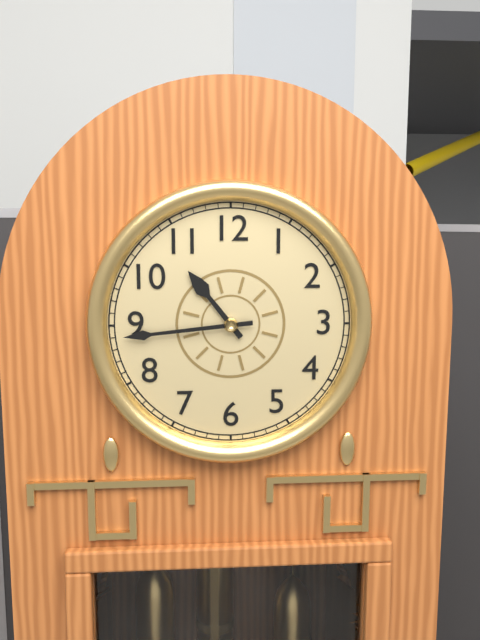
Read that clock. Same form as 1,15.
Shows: 10,44
